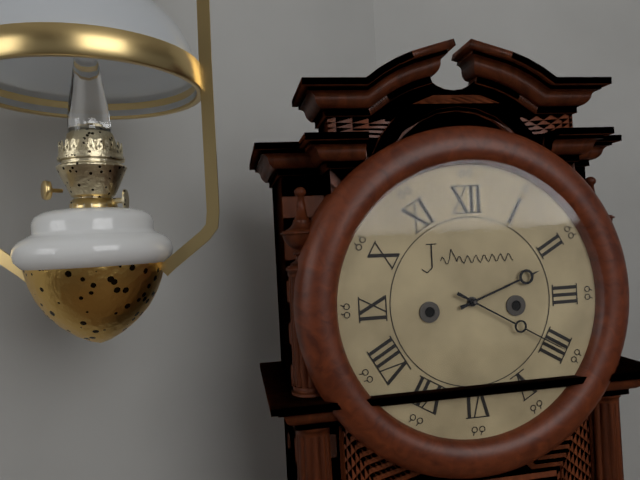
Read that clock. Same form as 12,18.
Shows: 2,20
